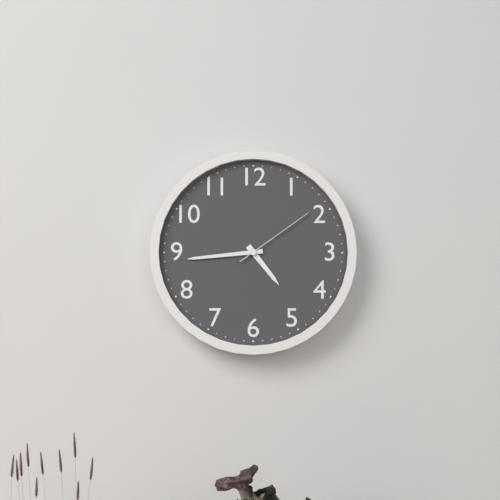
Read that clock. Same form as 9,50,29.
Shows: 4,44,09
